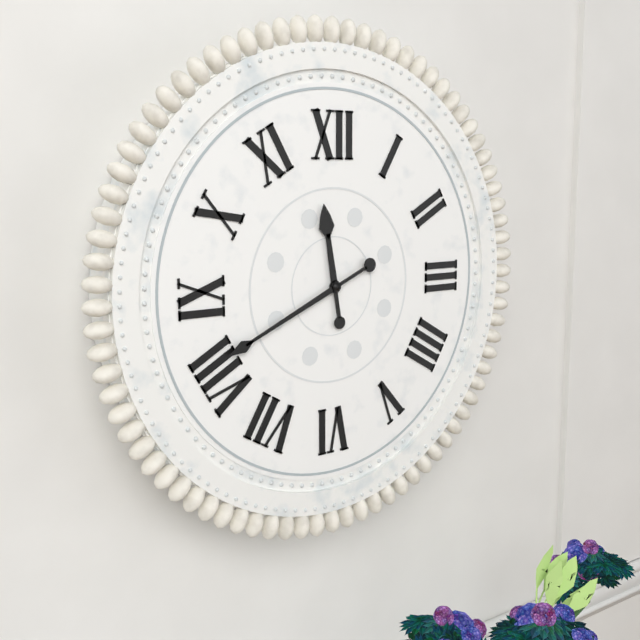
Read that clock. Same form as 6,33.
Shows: 11,41
